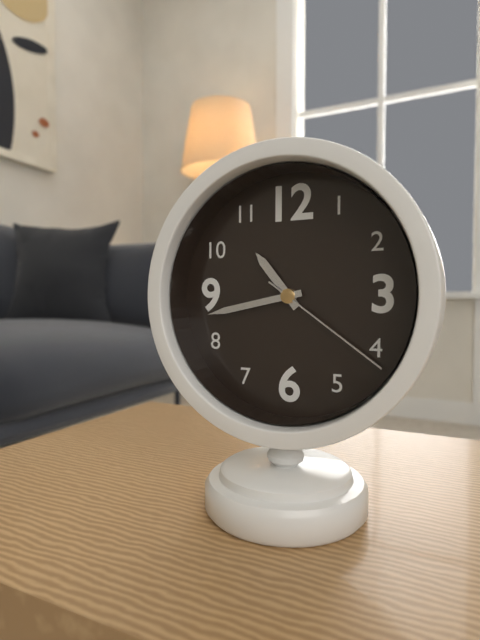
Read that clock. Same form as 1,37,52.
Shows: 10,43,21
